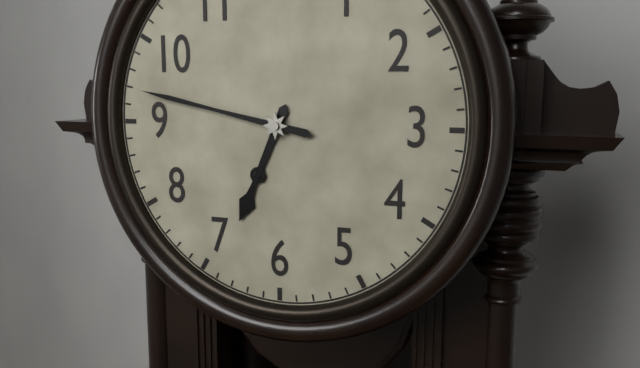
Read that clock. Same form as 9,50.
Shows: 6,47
